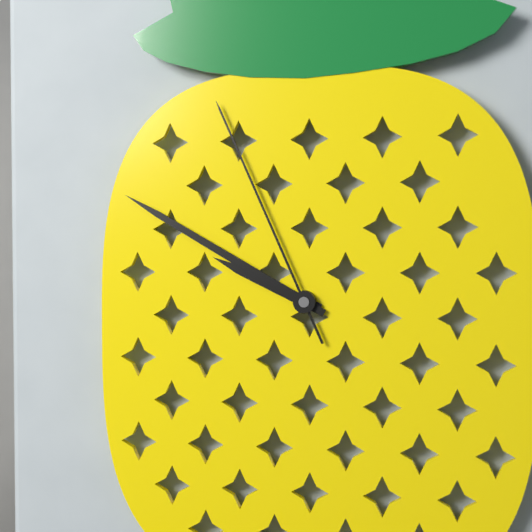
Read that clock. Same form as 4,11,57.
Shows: 9,50,56
